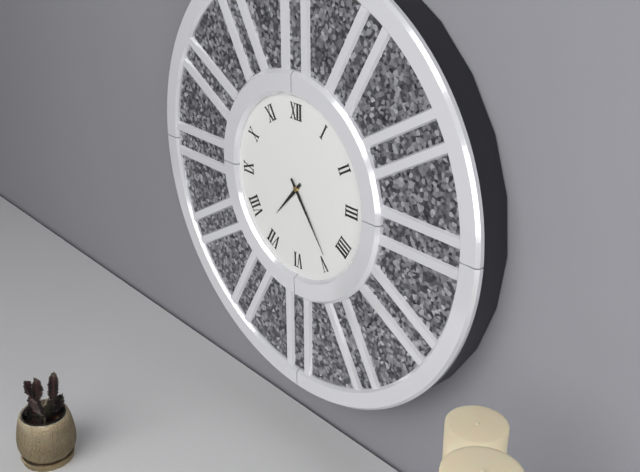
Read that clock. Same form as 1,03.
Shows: 7,24
